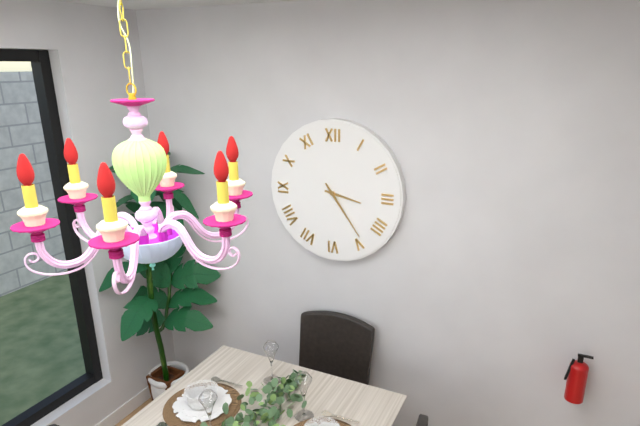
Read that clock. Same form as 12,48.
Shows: 3,24
